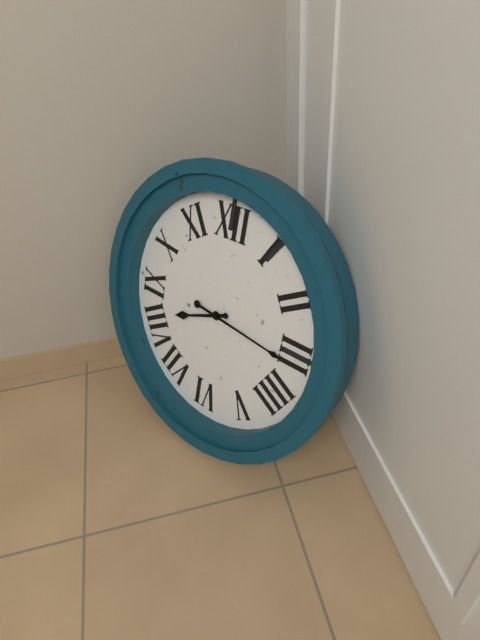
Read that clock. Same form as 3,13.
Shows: 8,16
